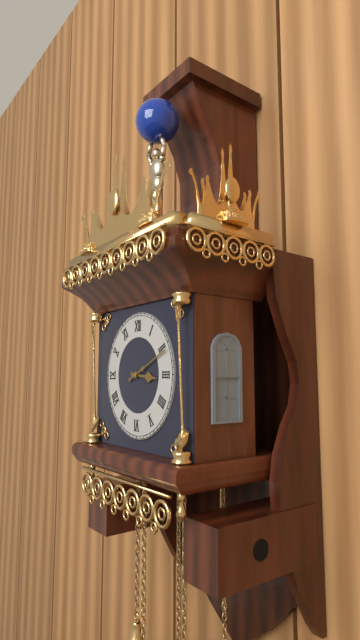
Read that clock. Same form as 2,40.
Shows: 3,11
